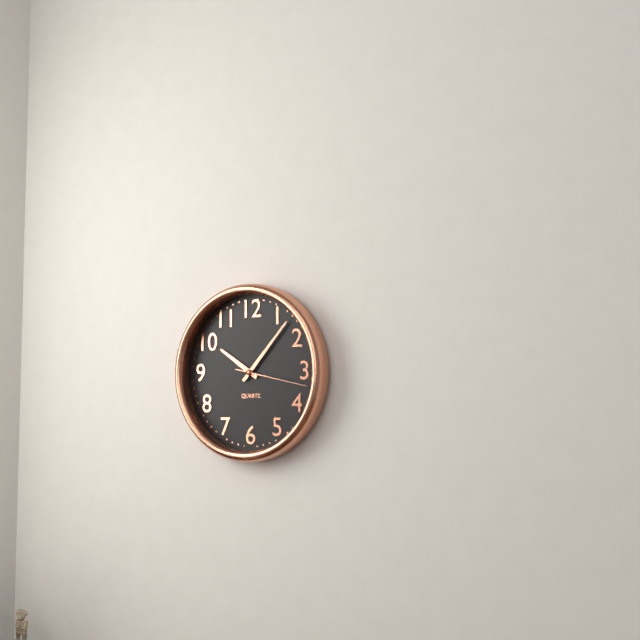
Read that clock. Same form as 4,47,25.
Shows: 10,07,17
